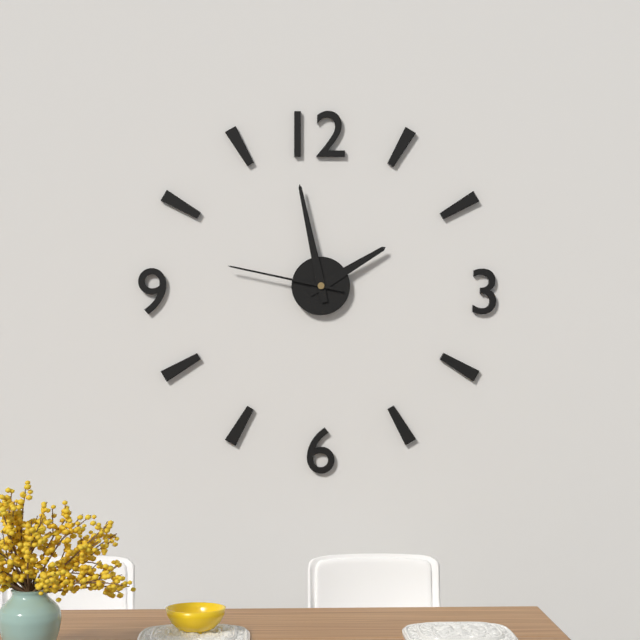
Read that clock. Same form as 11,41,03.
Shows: 1,58,47
